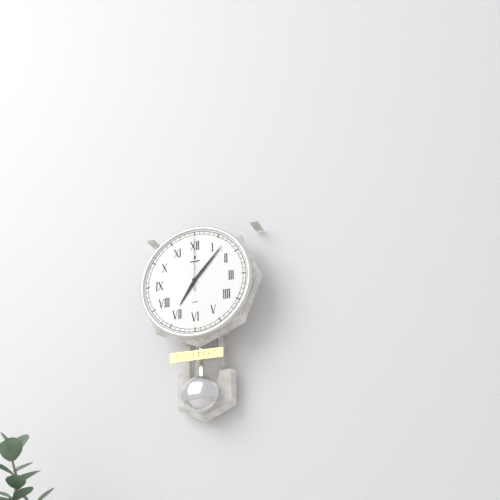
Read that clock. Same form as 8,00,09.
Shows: 7,07,00
